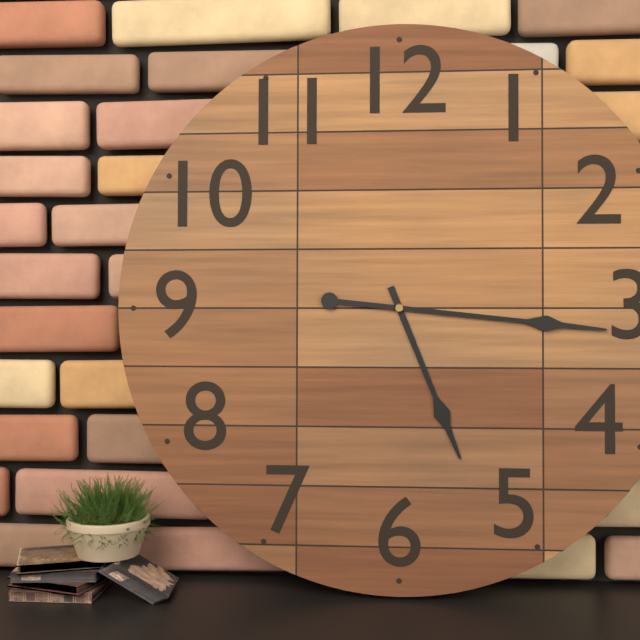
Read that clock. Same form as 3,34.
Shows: 5,16
